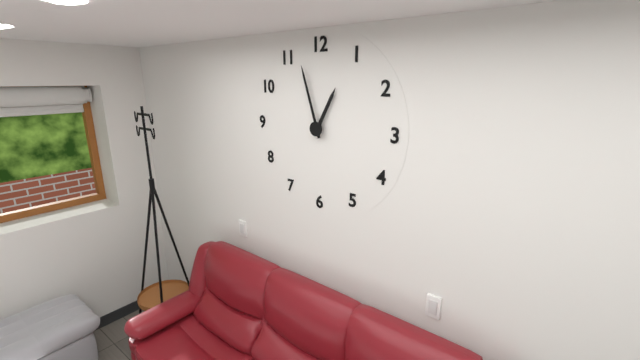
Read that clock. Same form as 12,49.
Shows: 12,57
